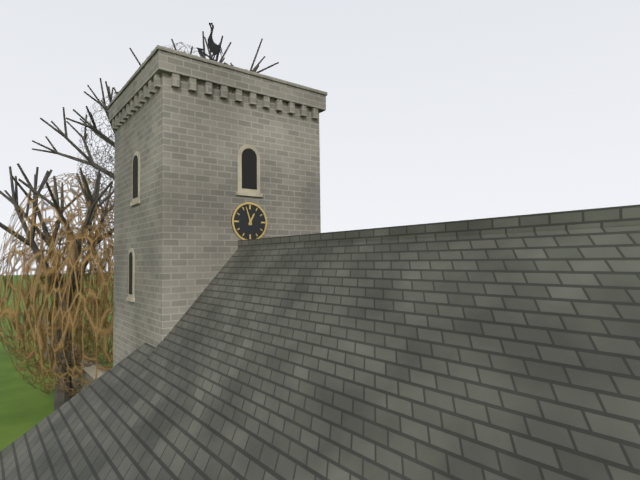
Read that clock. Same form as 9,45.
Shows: 12,57
